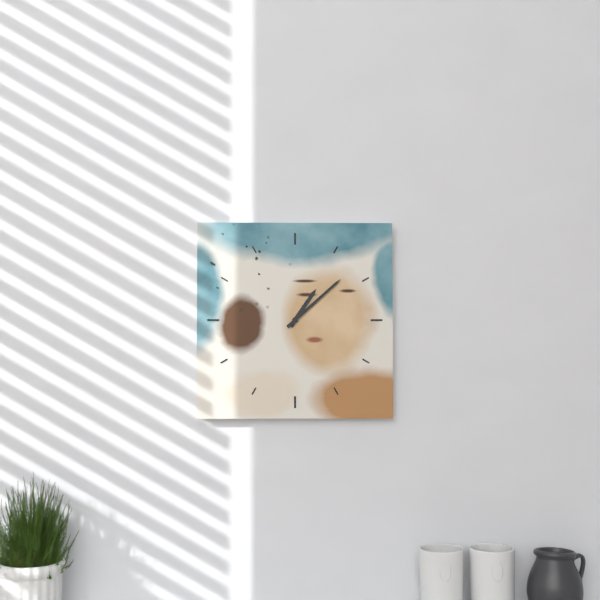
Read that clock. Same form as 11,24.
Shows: 1,08
